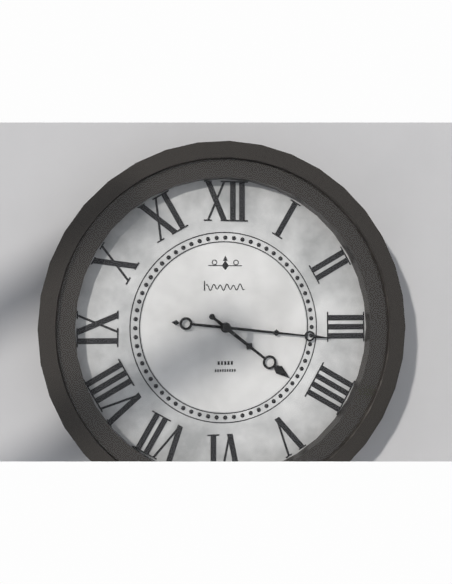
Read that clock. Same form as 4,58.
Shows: 4,16
